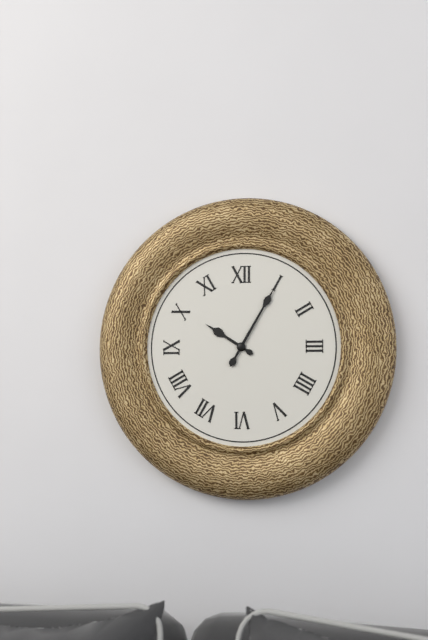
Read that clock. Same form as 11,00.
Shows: 10,05
